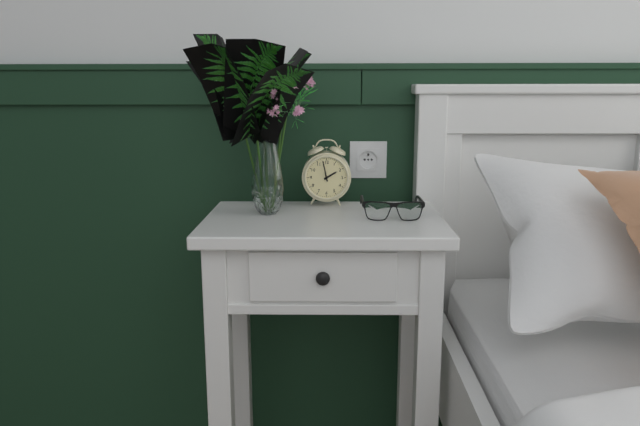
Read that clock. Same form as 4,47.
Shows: 1,58
